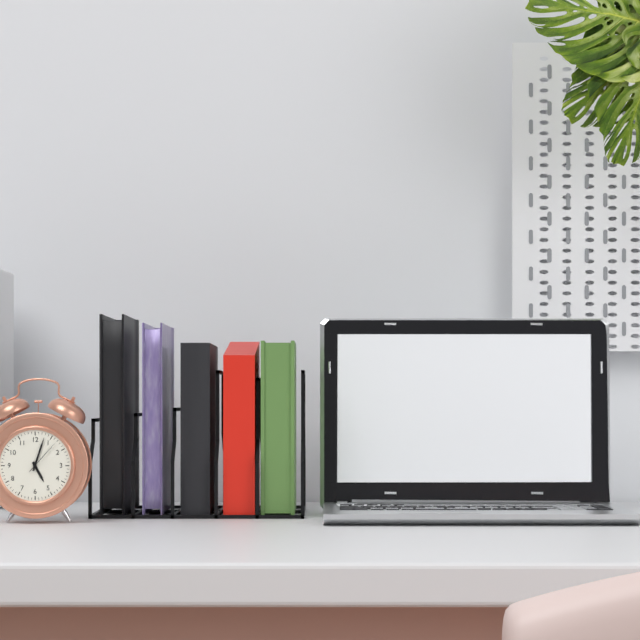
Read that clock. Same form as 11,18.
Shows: 5,03
